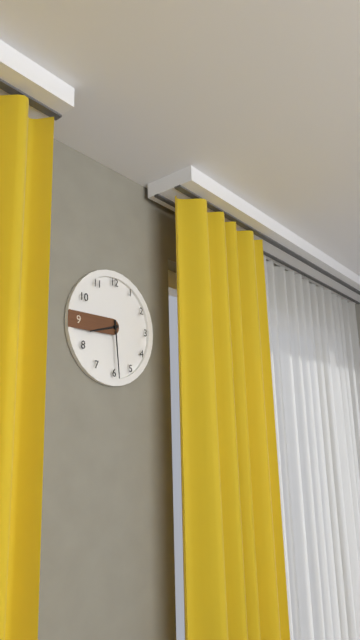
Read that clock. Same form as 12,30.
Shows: 8,29
